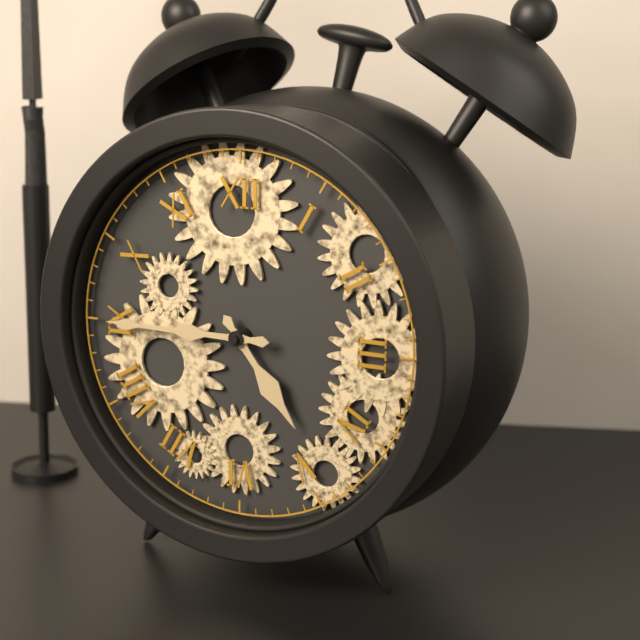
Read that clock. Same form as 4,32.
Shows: 4,45
